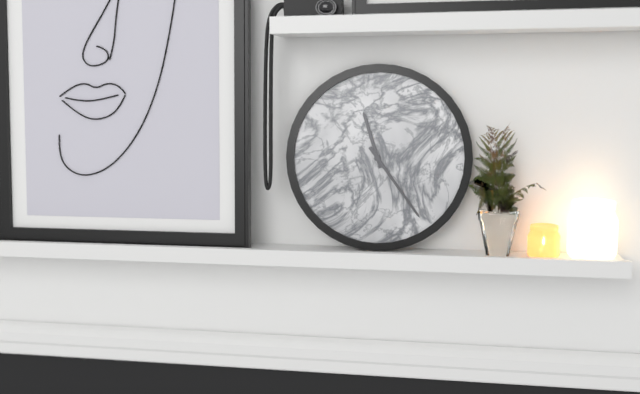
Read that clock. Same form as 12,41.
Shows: 11,24
